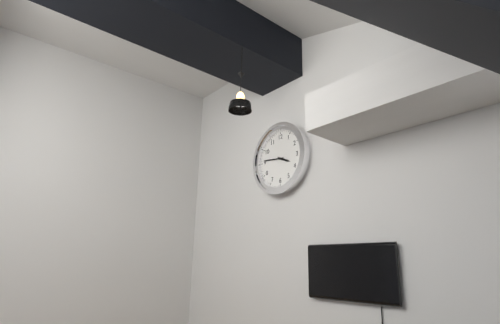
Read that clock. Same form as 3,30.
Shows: 3,46
